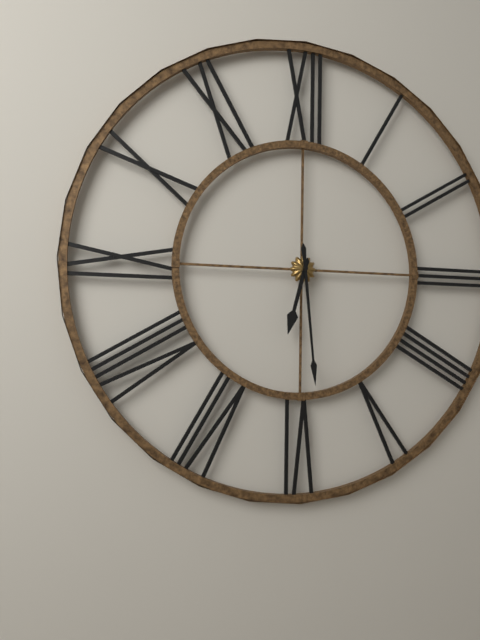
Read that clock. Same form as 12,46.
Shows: 6,29
